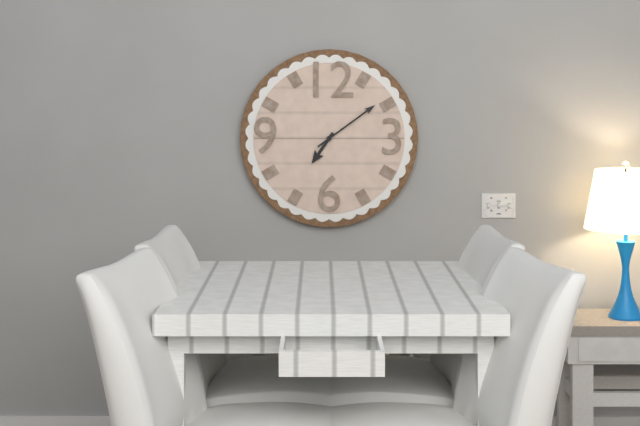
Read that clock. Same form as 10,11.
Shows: 7,09
